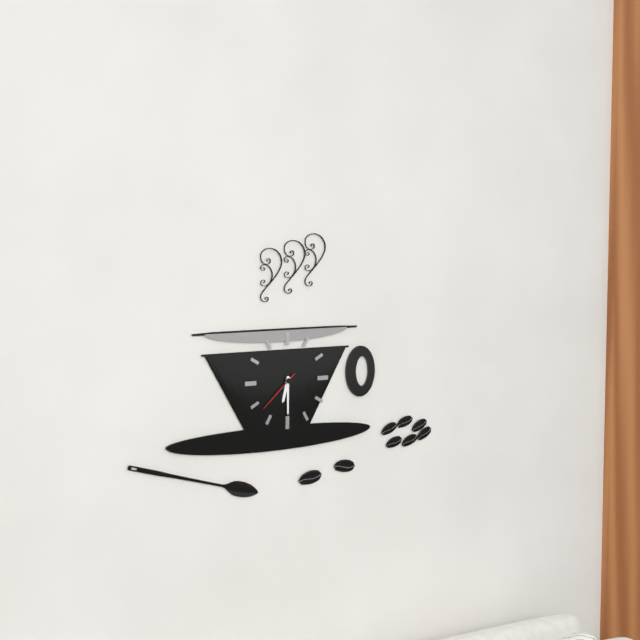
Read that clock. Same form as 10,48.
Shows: 6,30
